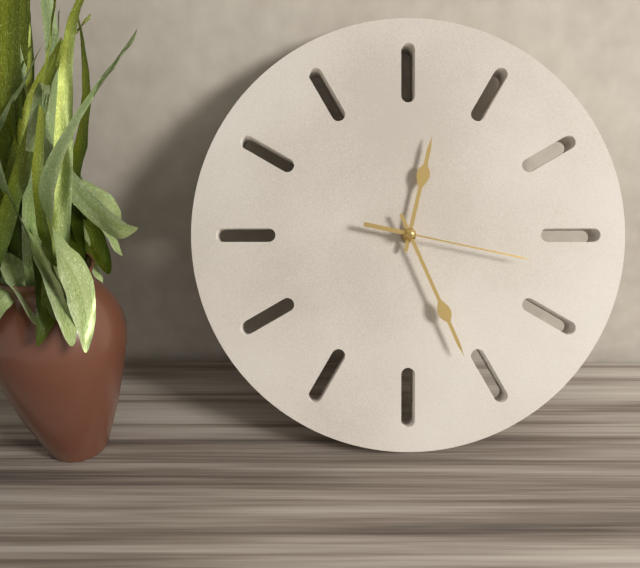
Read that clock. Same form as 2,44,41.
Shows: 12,26,17
